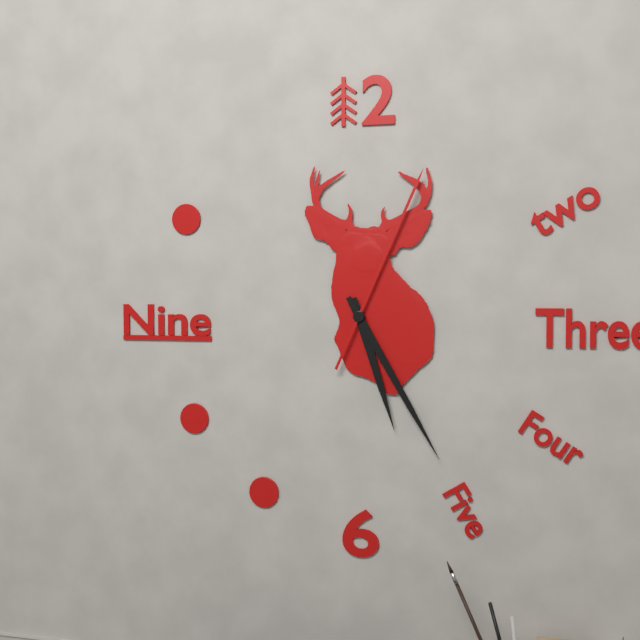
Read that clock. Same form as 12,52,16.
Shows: 5,25,04
